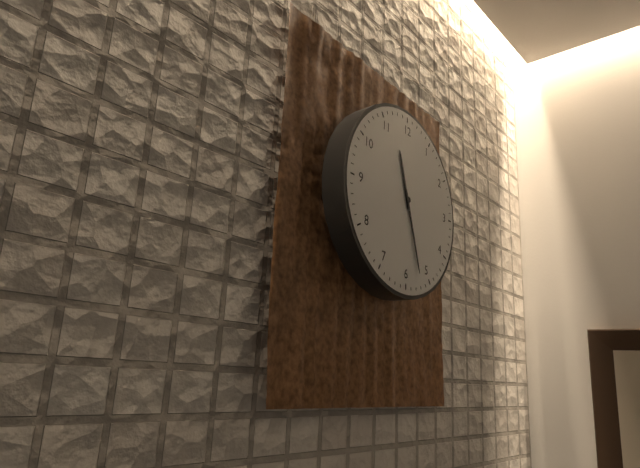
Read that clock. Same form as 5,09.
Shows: 11,27
